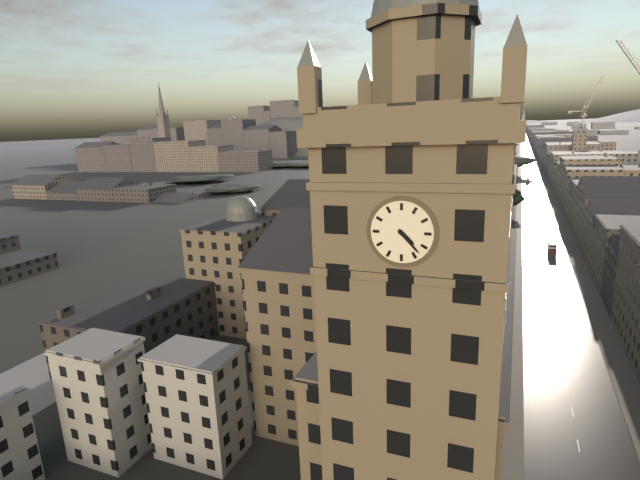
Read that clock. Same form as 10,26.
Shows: 4,23
